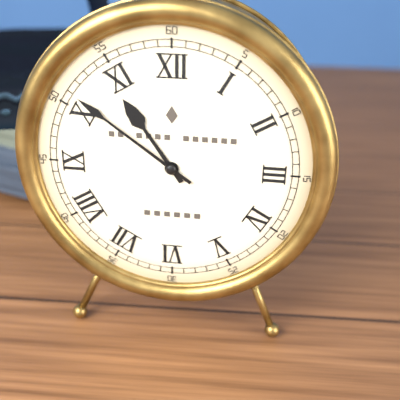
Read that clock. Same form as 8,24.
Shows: 10,51
